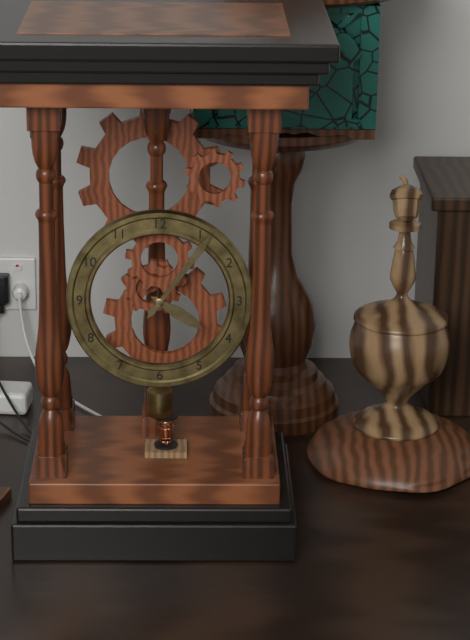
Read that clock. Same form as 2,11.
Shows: 4,06
